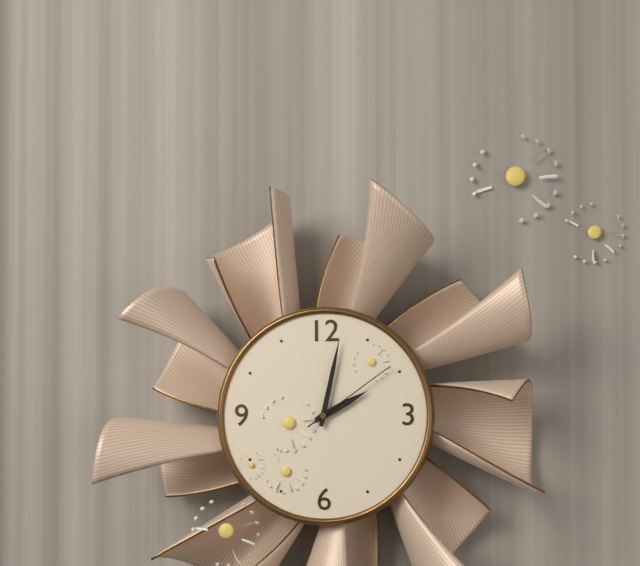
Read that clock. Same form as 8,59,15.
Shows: 2,02,09
